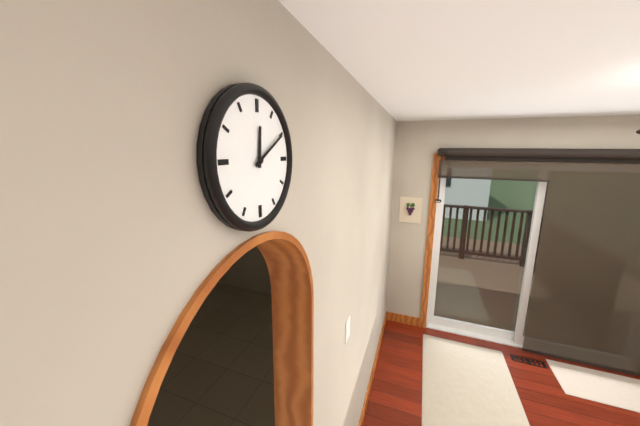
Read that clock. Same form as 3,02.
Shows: 12,10
